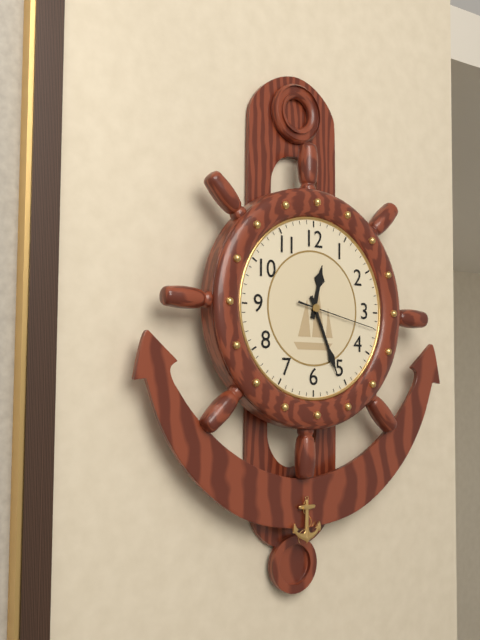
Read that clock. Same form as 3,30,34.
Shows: 12,26,17
